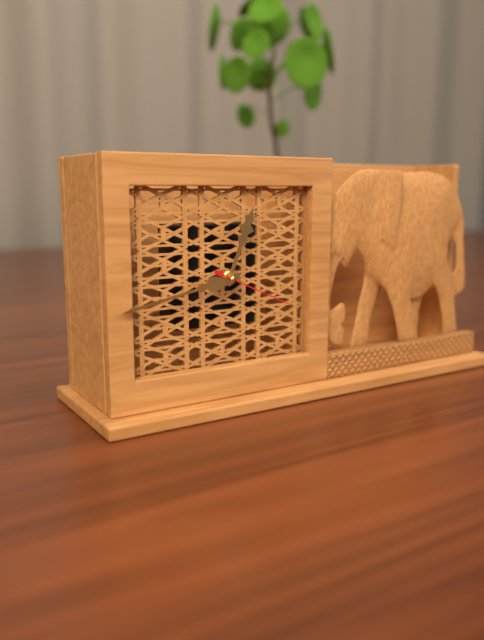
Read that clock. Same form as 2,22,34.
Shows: 12,43,19
